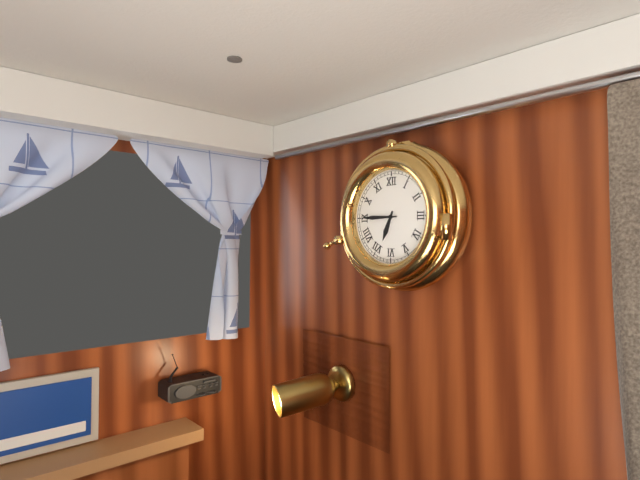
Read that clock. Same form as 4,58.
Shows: 6,45
